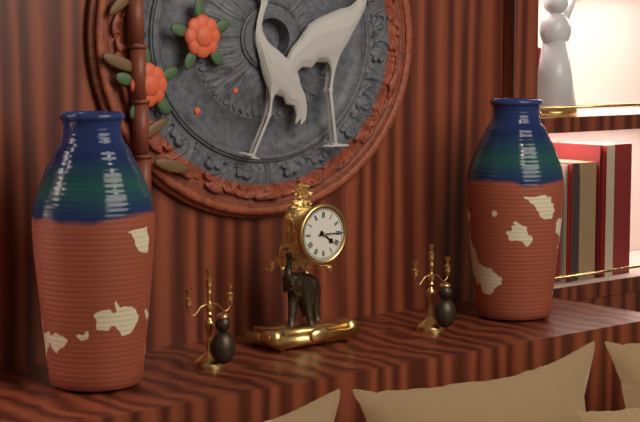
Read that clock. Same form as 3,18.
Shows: 4,15
